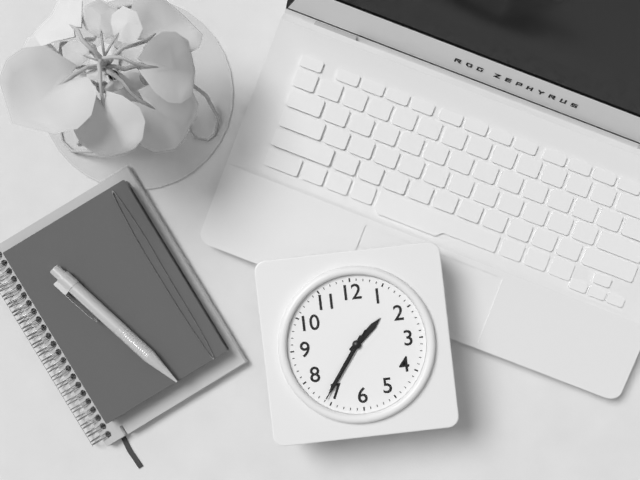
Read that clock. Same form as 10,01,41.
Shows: 1,36,36
